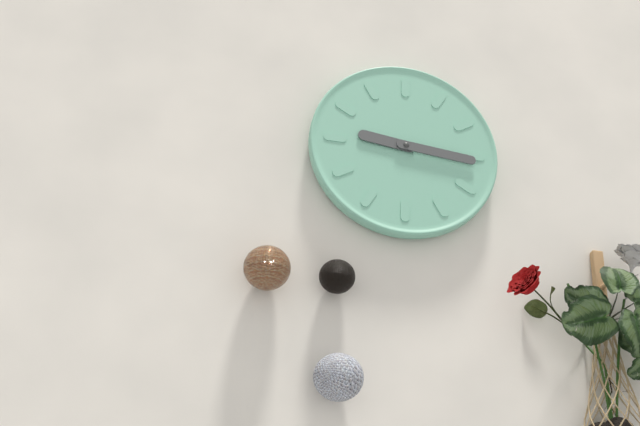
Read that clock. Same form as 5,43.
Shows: 9,16
